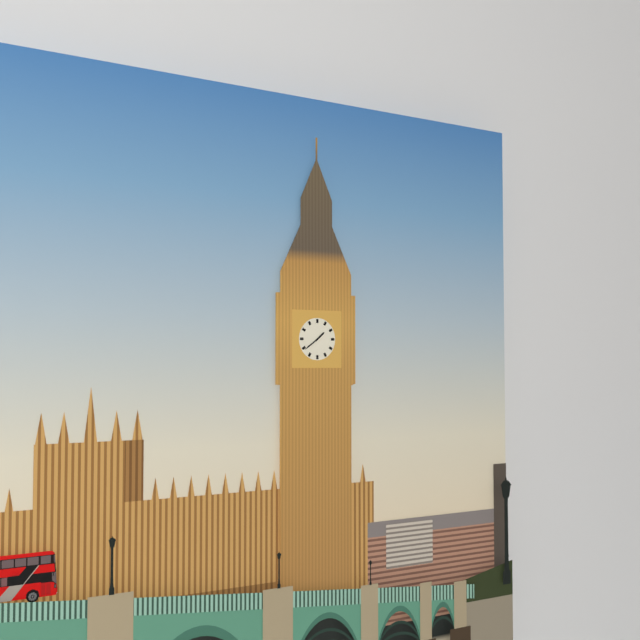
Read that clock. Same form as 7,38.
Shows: 1,39
